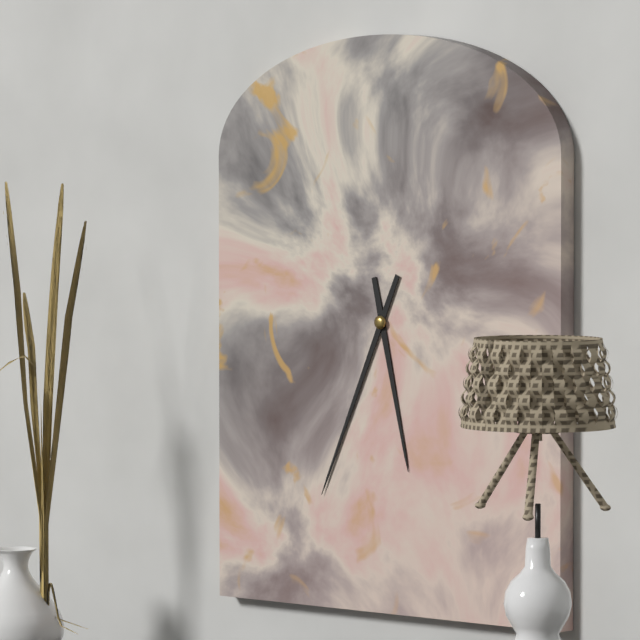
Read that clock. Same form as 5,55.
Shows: 5,34
